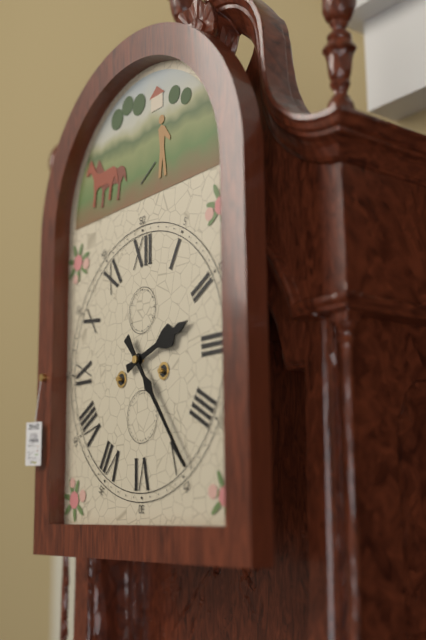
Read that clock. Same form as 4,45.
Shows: 2,24
